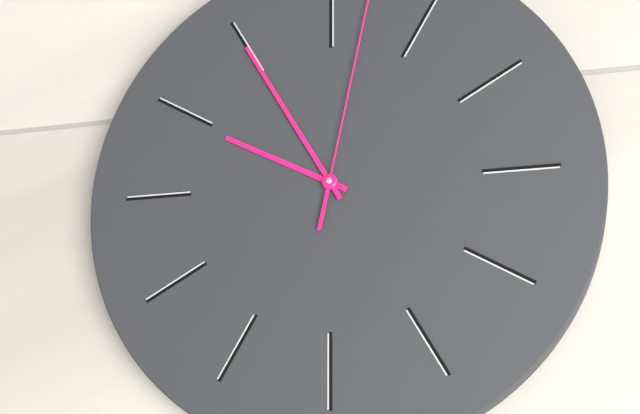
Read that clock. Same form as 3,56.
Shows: 9,55
